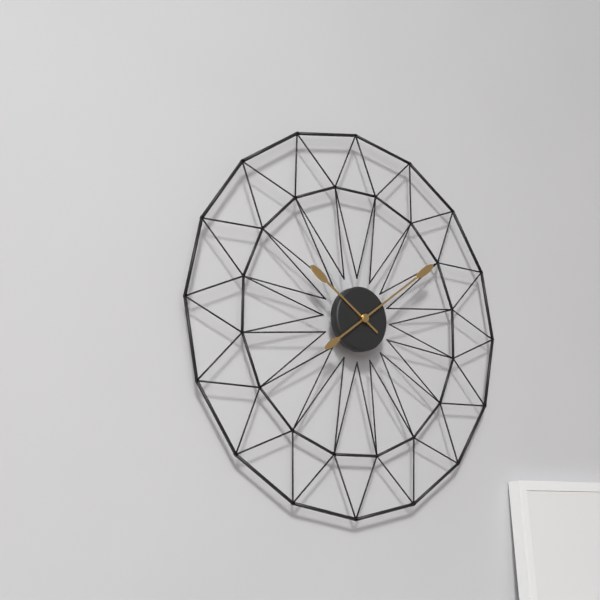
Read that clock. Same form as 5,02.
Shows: 10,09
